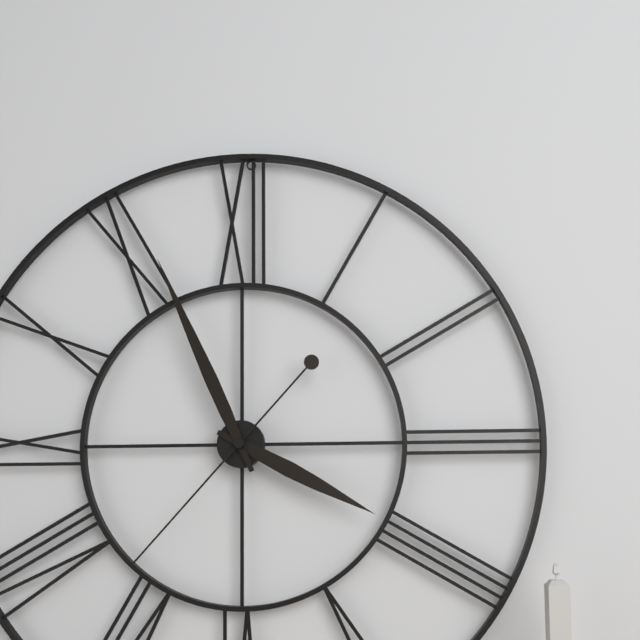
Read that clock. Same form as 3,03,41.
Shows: 3,56,37
